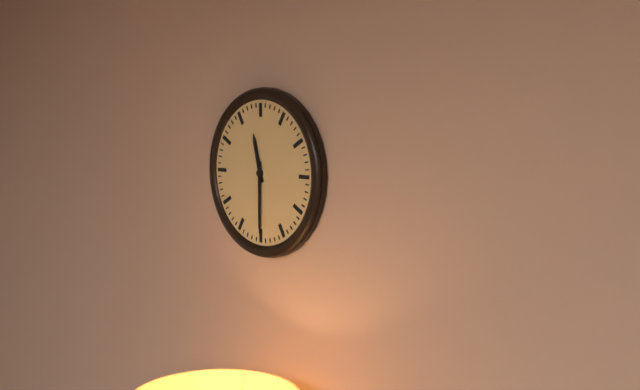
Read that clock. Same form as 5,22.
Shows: 11,30
